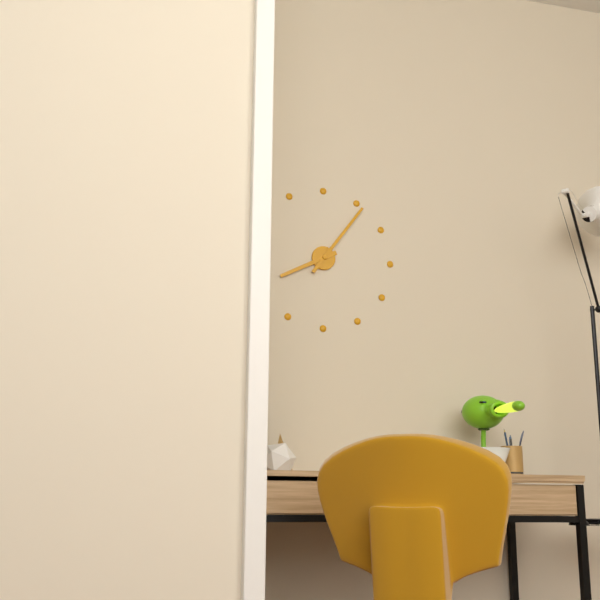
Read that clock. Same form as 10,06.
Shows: 8,06
